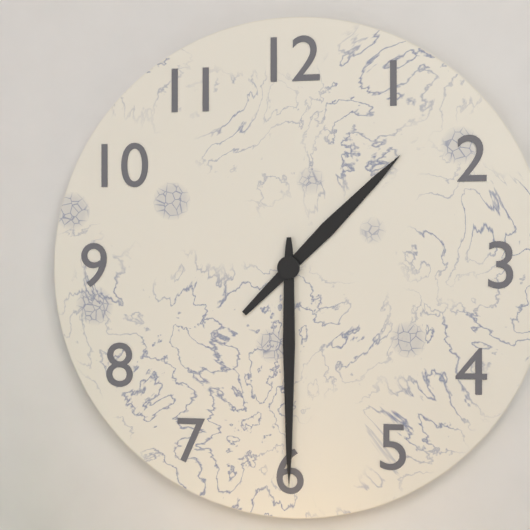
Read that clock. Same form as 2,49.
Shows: 1,30
